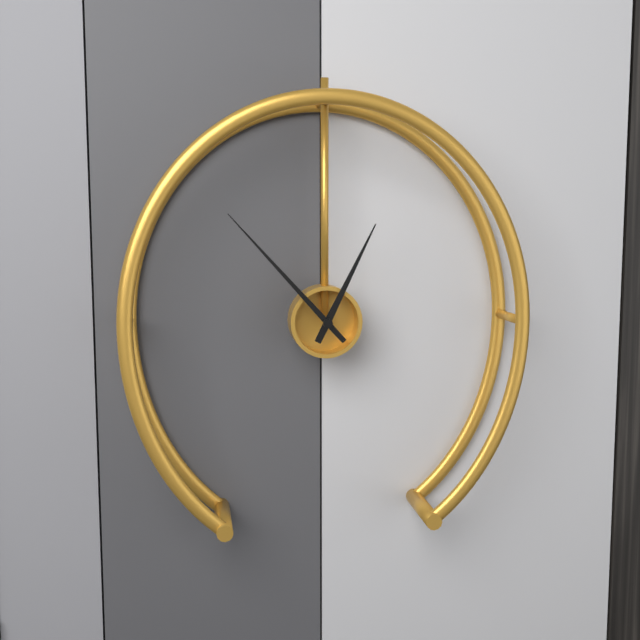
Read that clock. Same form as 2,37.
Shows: 12,53
